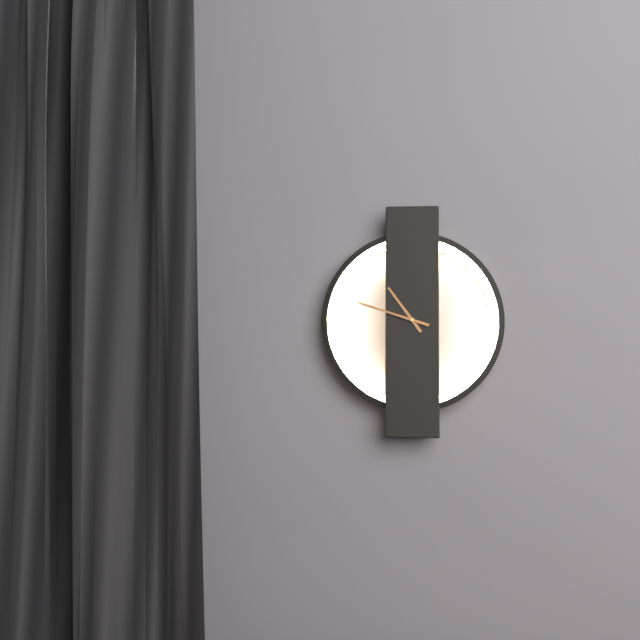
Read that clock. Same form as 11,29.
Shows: 10,48
